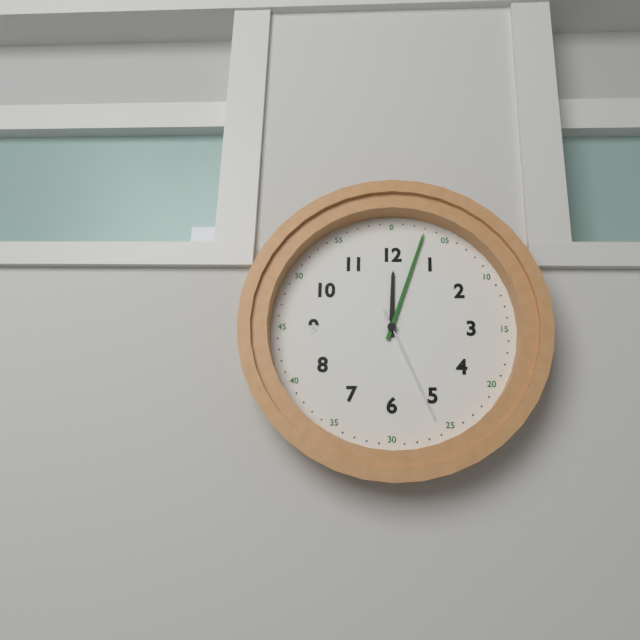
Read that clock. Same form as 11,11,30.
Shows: 12,03,26
